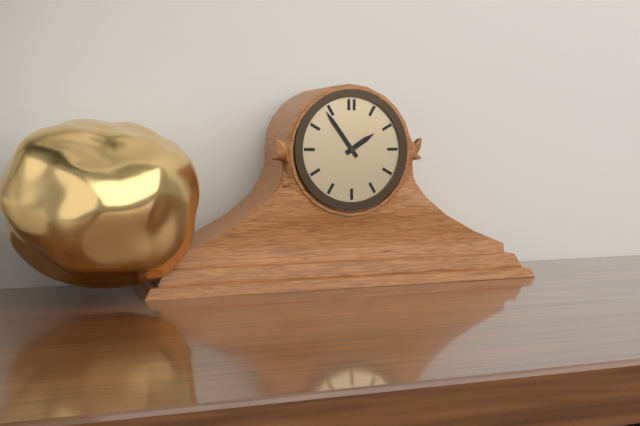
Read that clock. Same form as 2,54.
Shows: 1,54
